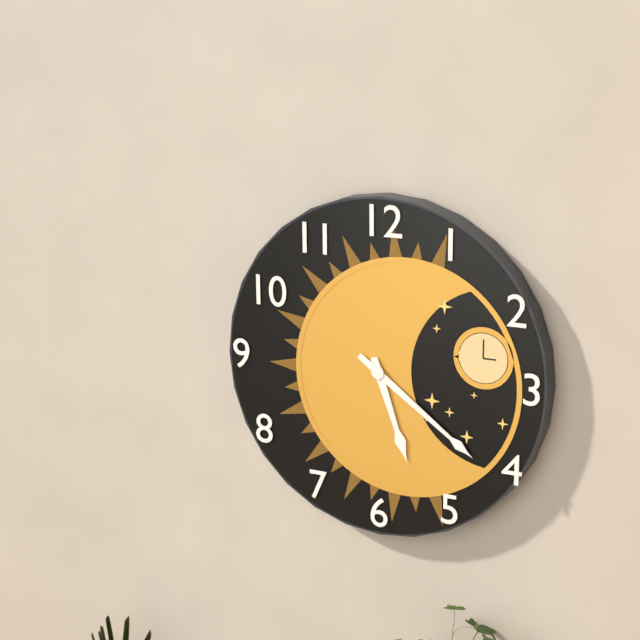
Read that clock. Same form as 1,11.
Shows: 5,21
